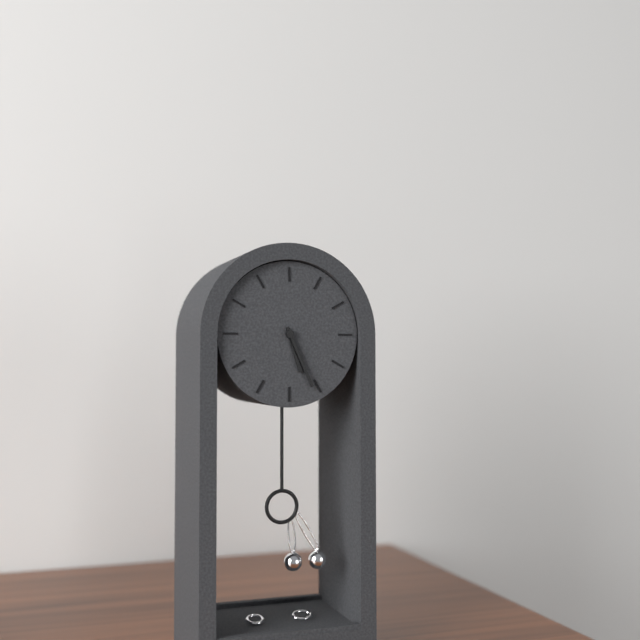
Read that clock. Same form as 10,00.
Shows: 5,26
